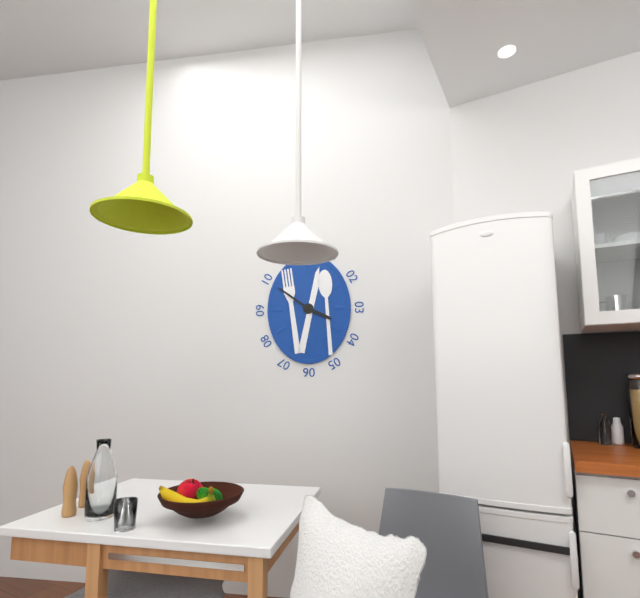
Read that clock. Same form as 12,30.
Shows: 3,51
